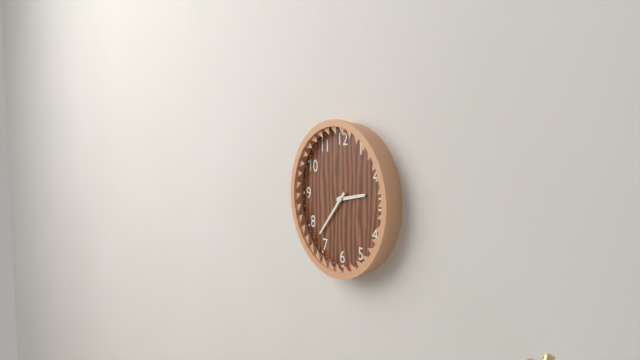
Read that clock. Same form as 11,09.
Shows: 2,37
